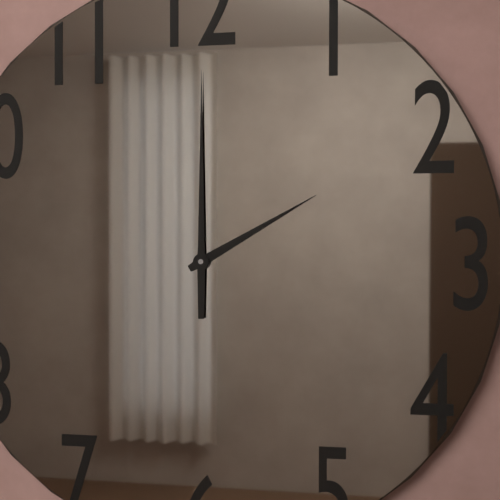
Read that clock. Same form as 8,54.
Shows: 2,00
